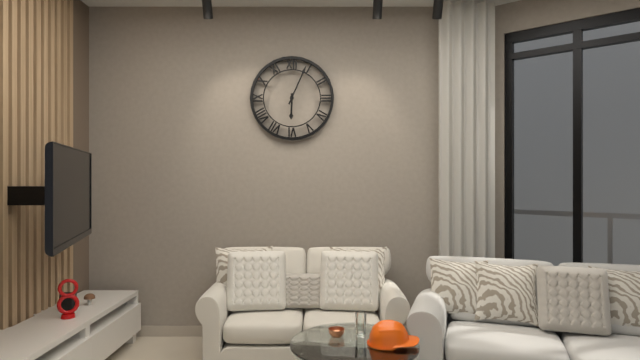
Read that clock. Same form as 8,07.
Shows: 6,04
